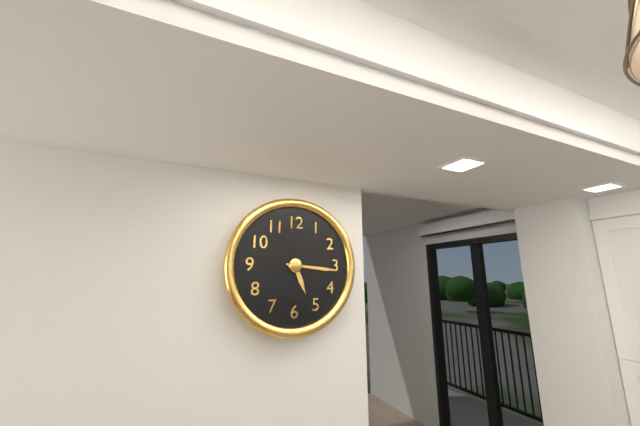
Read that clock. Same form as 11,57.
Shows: 5,16
